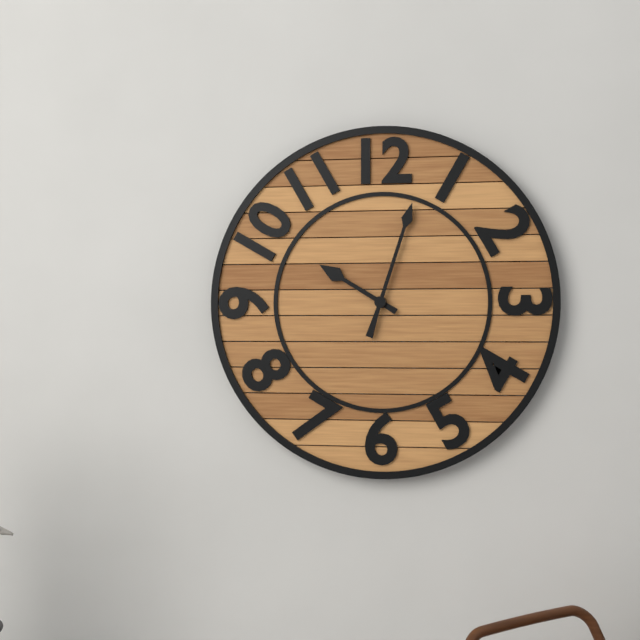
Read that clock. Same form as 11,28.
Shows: 10,03
